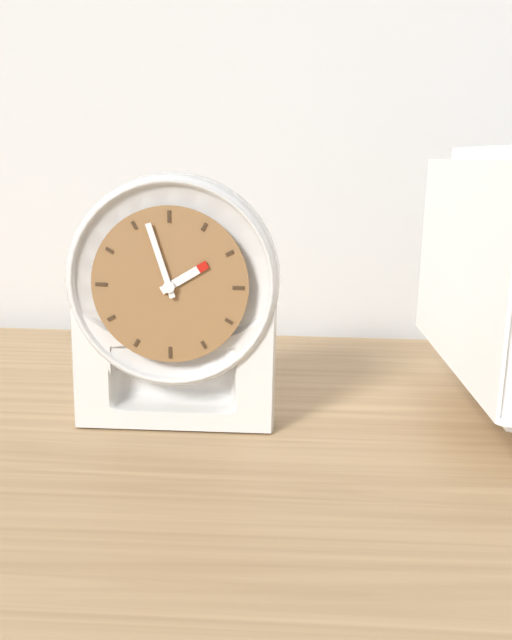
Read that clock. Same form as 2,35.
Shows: 1,57
